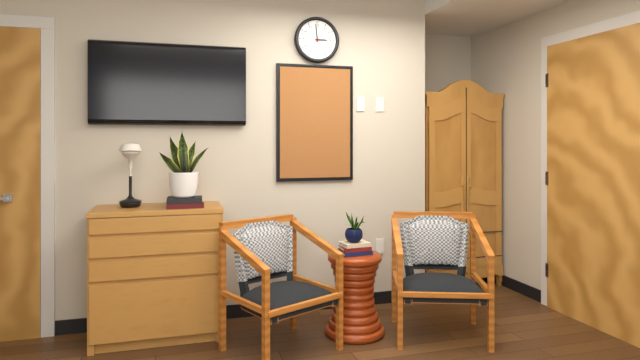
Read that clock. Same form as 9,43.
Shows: 2,59
